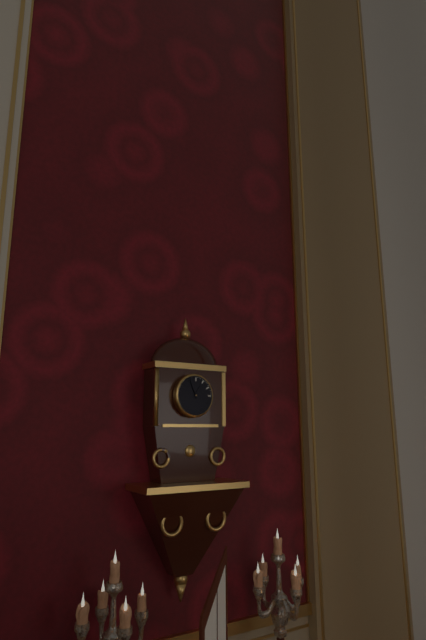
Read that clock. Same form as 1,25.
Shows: 12,56
